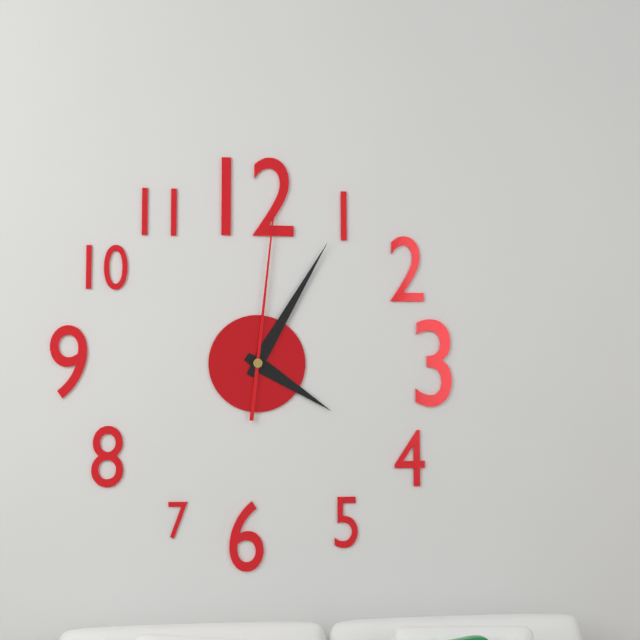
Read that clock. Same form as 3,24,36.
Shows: 4,05,01
